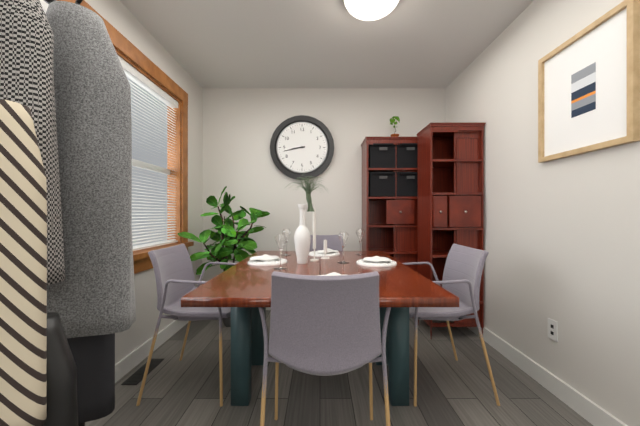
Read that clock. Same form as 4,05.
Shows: 8,43
